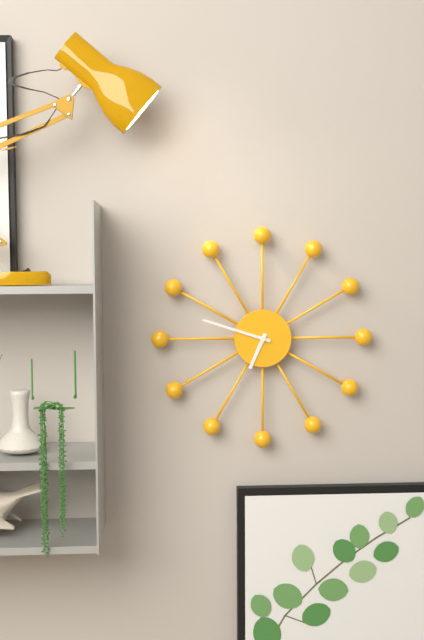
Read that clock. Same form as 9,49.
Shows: 6,48
